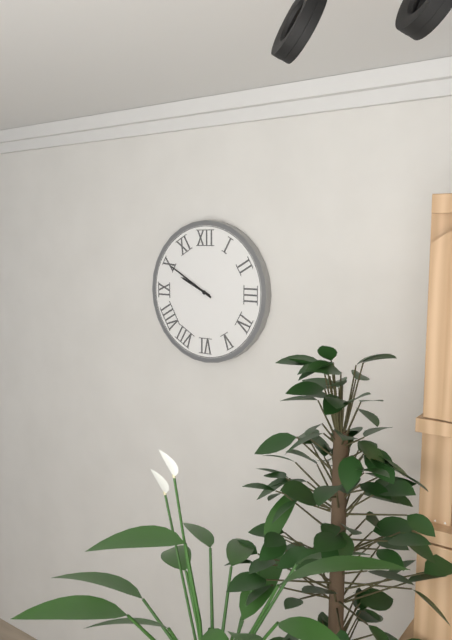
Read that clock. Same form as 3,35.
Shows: 9,50
